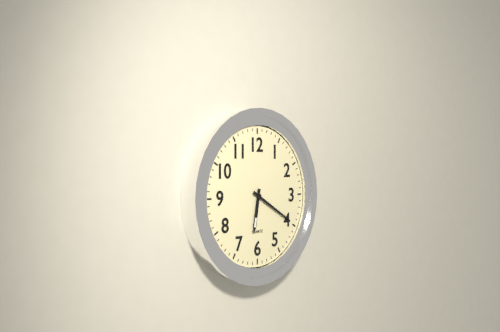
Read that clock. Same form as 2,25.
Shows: 6,20
